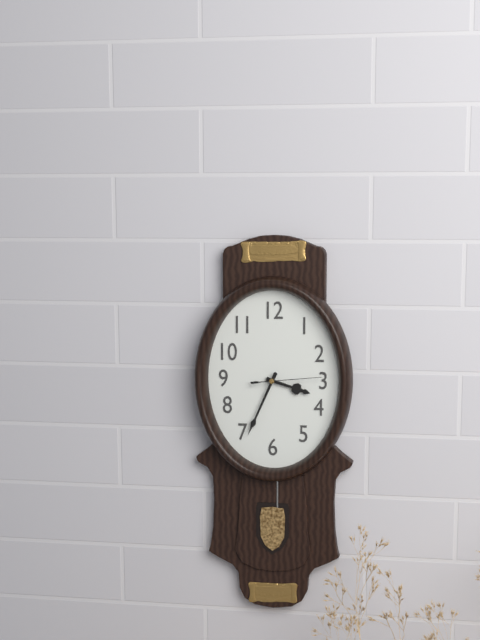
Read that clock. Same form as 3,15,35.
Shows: 3,34,14
